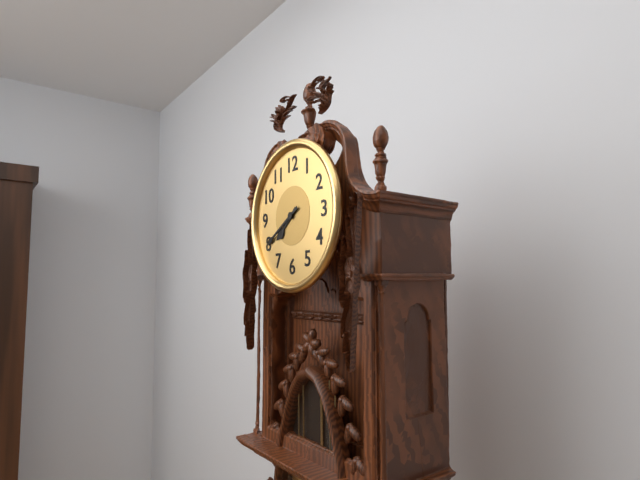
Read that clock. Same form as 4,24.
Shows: 7,40
